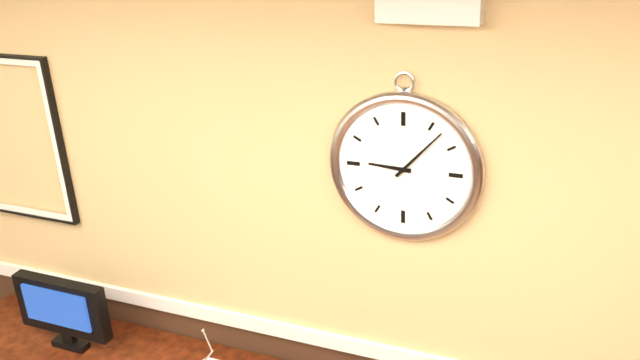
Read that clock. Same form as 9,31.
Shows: 9,07
